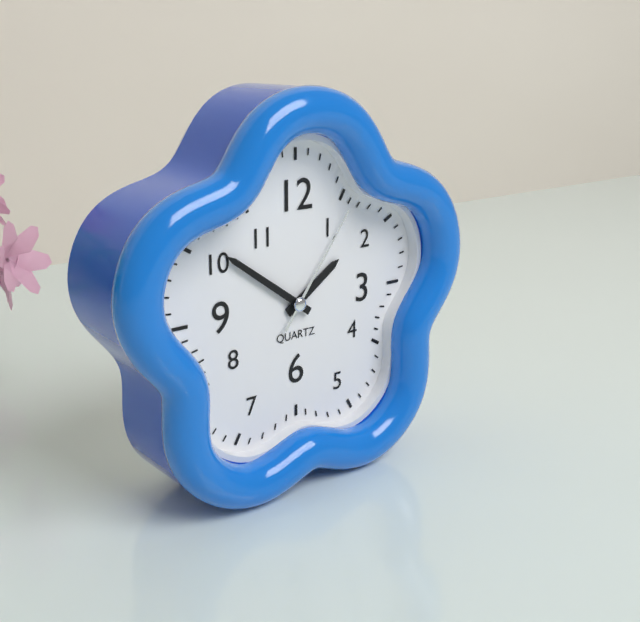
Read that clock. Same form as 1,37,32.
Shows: 1,51,06
